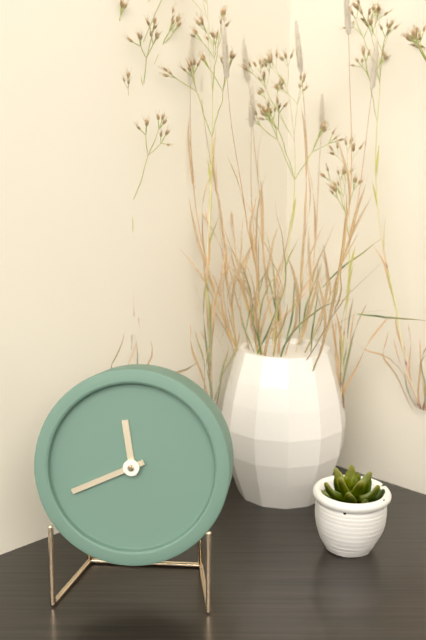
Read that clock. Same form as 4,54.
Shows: 11,41
